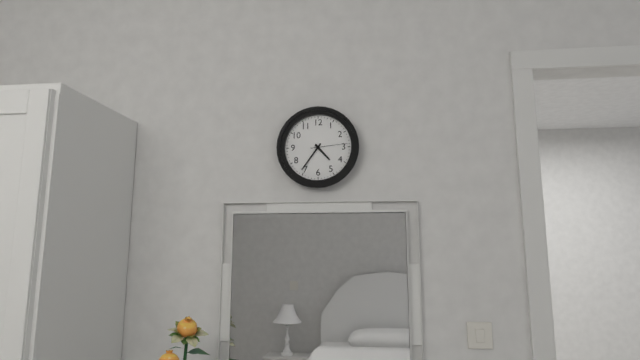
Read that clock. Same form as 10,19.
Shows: 4,36
